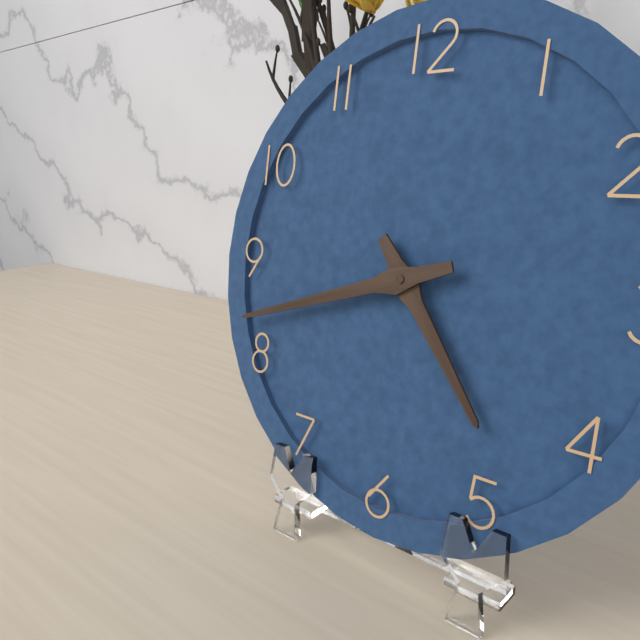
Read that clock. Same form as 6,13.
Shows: 4,42
